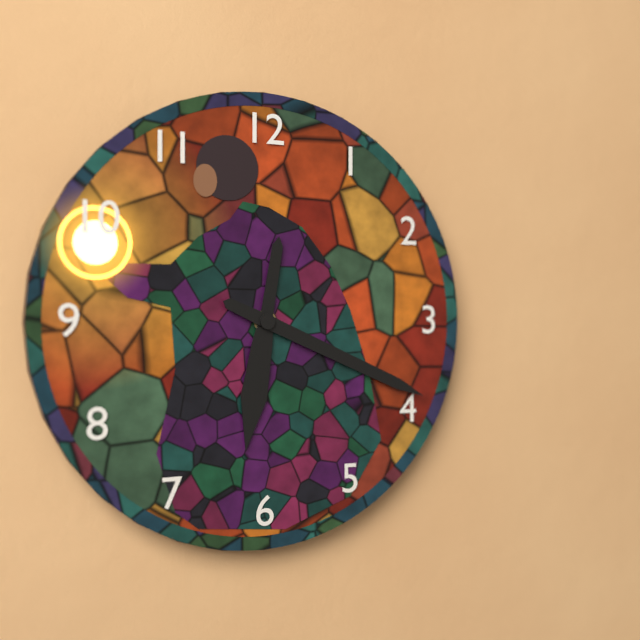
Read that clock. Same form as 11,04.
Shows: 6,19
